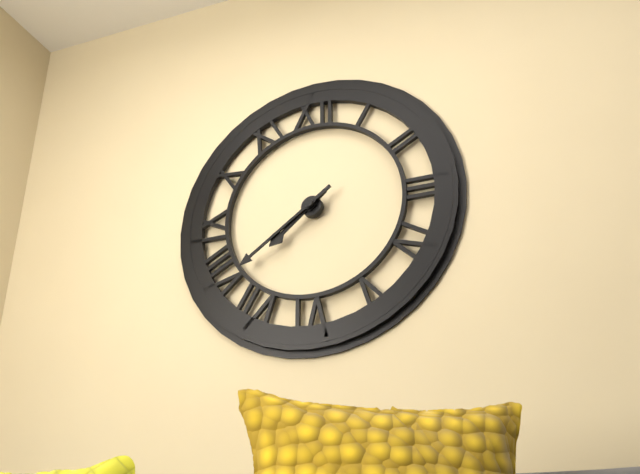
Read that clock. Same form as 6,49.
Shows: 7,39
